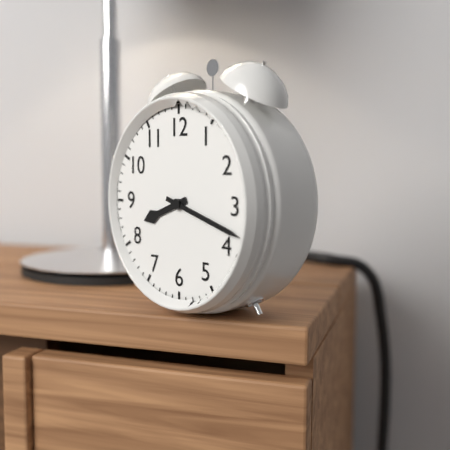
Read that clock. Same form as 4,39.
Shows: 8,18
